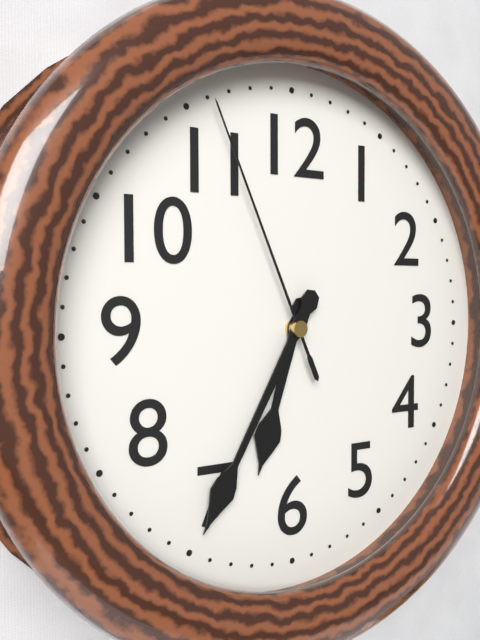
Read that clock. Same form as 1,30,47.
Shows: 6,35,56
